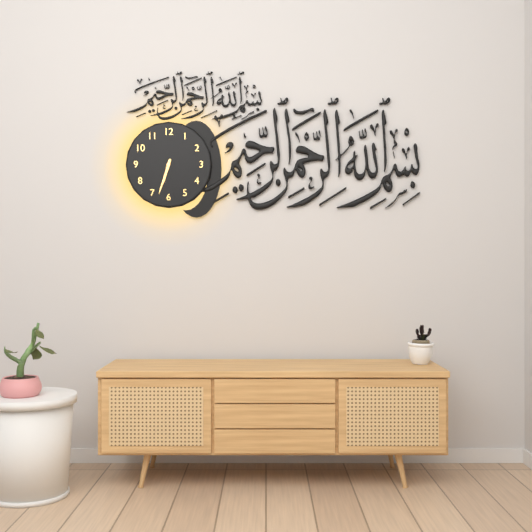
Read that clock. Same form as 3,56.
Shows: 6,33
